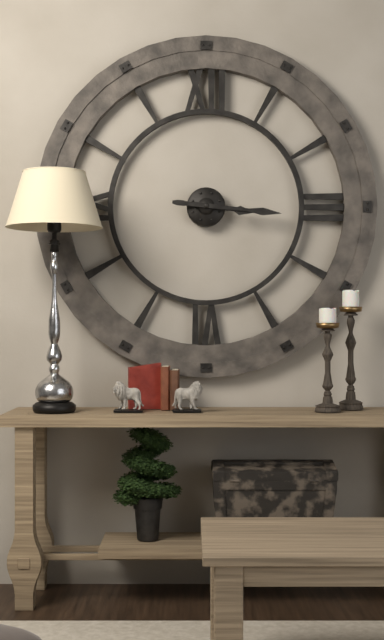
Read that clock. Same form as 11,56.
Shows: 3,16
